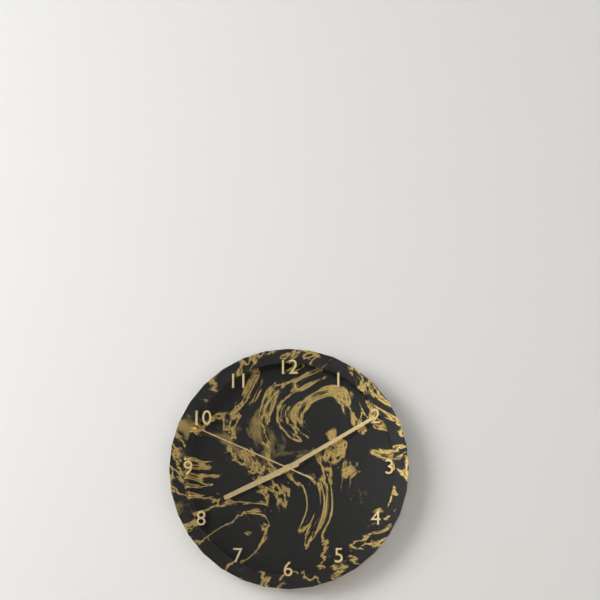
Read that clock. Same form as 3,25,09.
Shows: 8,10,49
